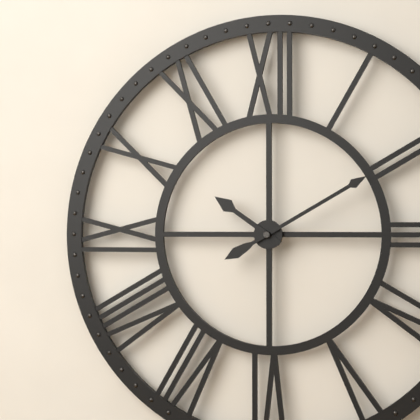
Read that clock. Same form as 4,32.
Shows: 10,10
